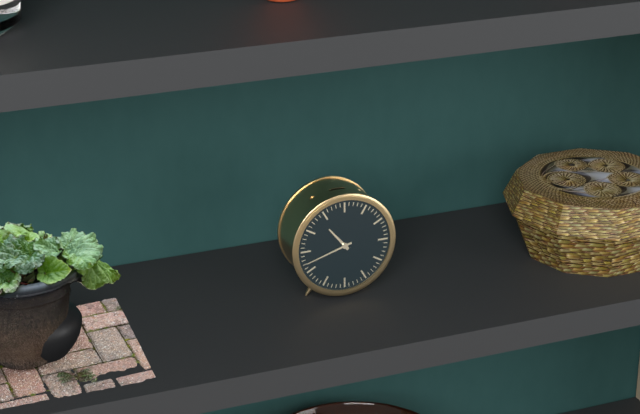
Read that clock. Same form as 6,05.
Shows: 10,42
